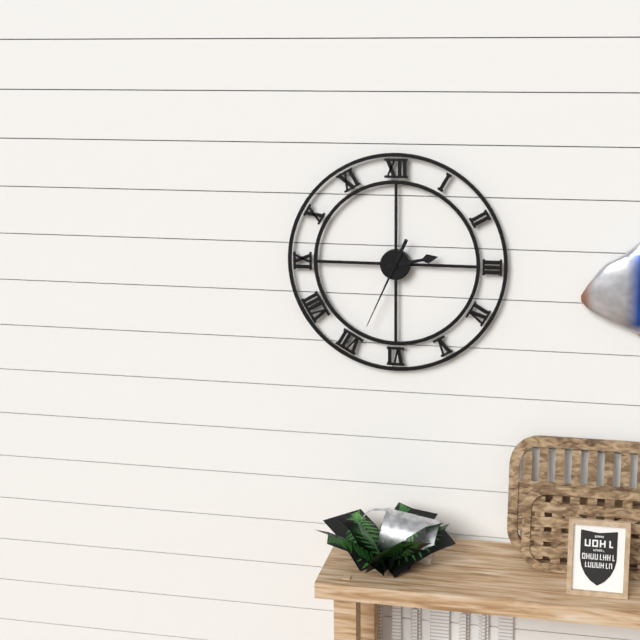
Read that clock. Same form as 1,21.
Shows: 2,34
